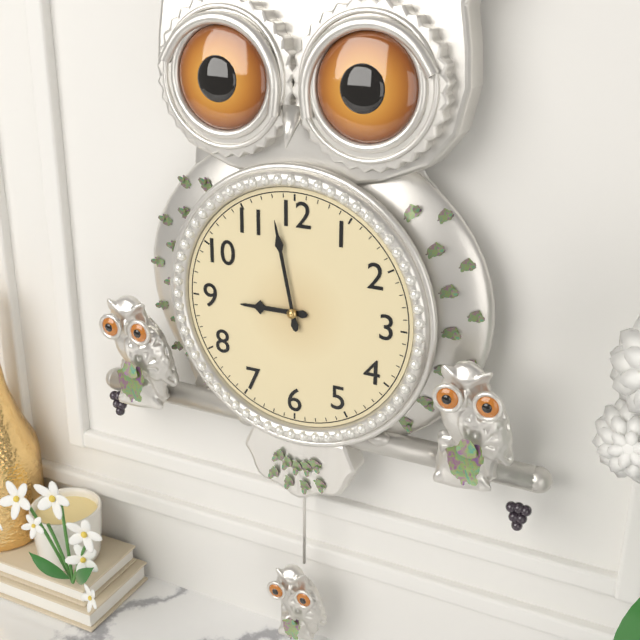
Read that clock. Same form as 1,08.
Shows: 8,58
